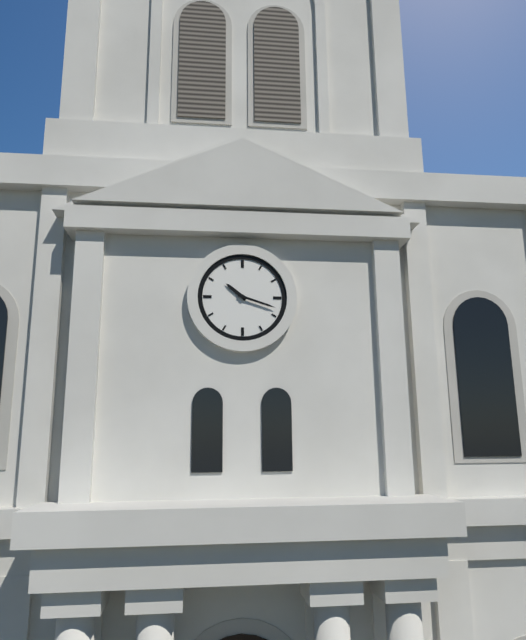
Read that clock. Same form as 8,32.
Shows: 10,18
